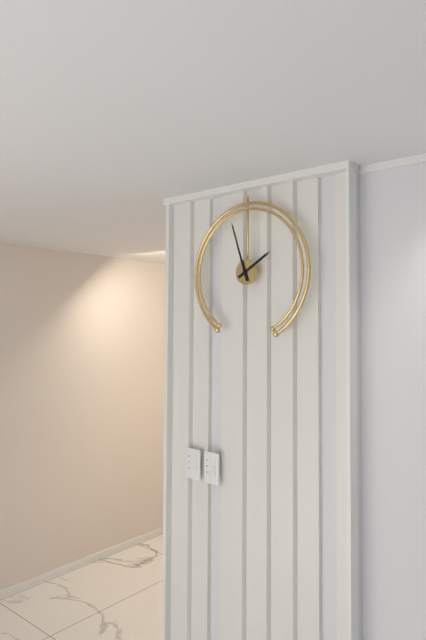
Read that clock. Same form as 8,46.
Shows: 1,57
